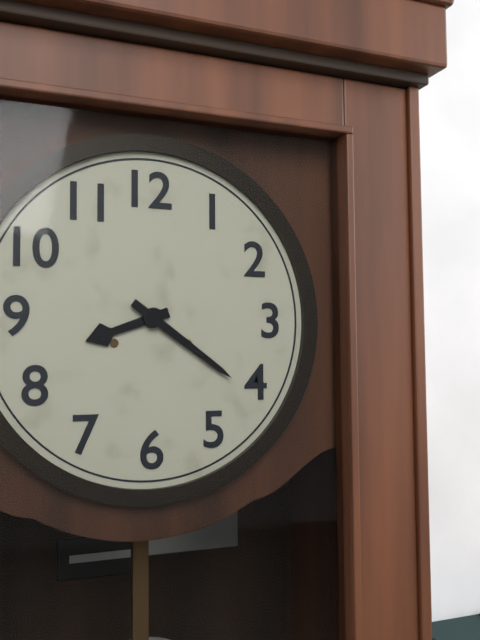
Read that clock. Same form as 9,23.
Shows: 8,21
